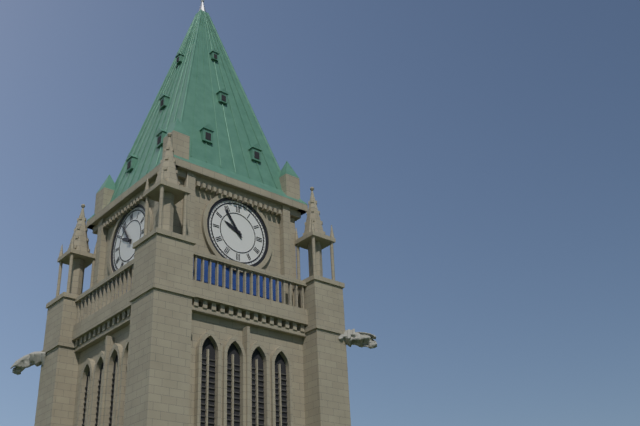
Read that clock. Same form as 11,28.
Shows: 9,54
